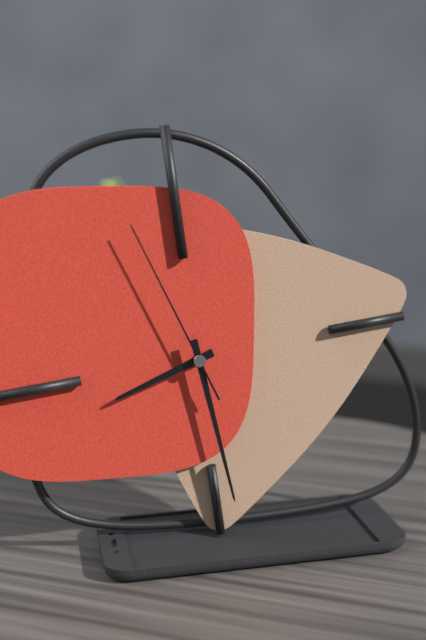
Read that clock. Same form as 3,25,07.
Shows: 8,29,57
